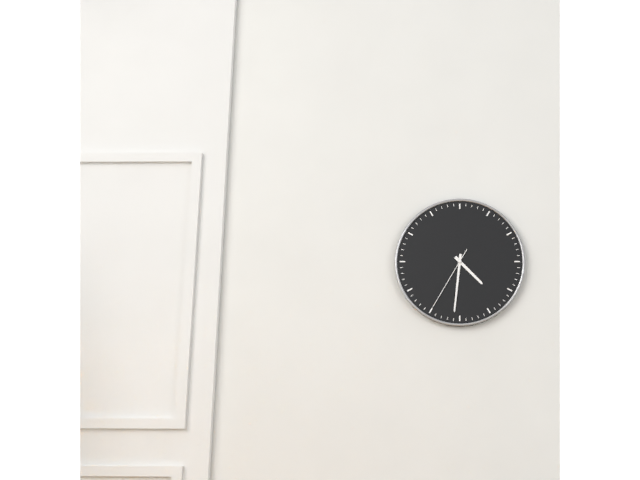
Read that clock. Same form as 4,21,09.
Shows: 4,31,35
